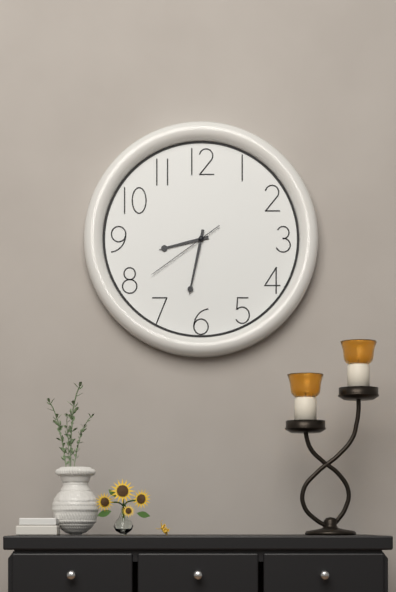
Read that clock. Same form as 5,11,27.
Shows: 8,32,39
